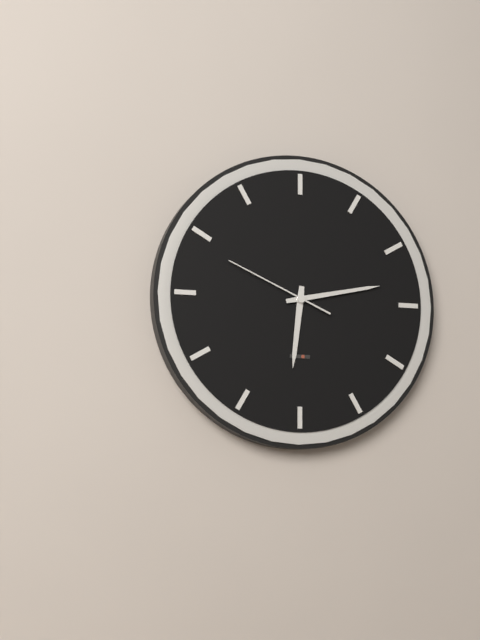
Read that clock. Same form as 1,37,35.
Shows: 6,13,49
